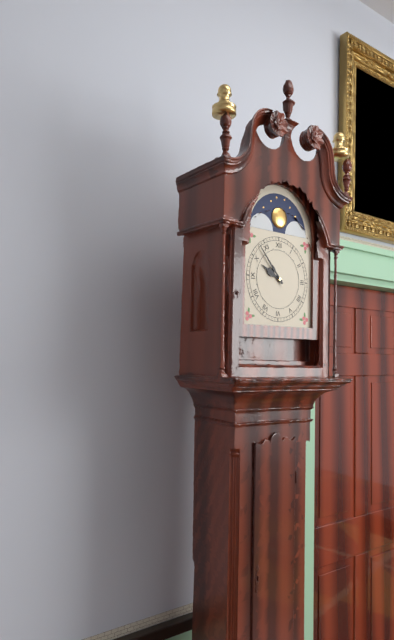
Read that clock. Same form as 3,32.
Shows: 9,53
